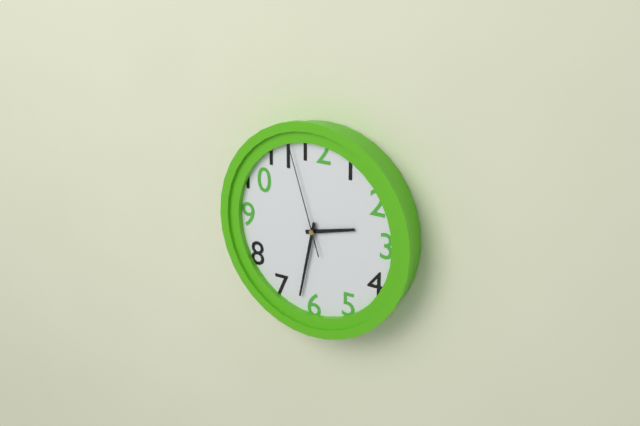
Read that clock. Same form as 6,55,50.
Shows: 2,32,57
